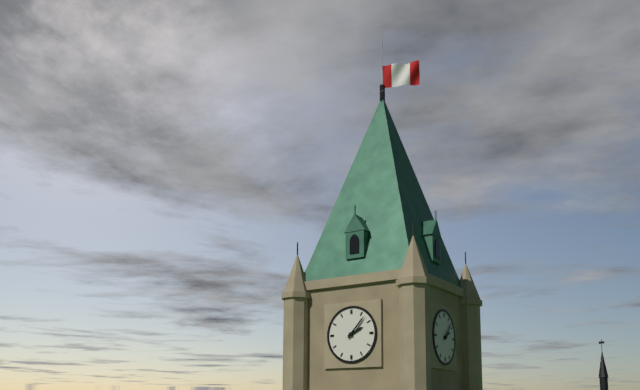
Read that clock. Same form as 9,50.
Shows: 2,07
